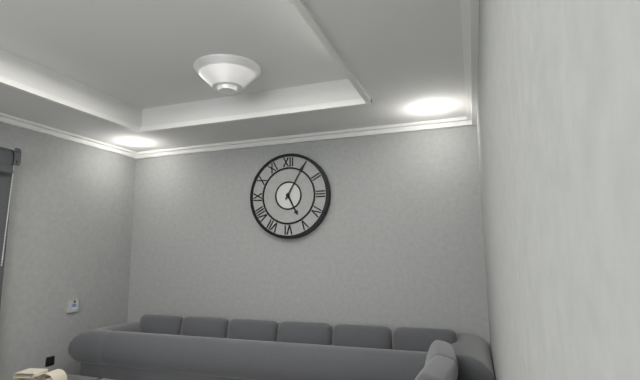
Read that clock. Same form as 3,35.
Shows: 5,05
